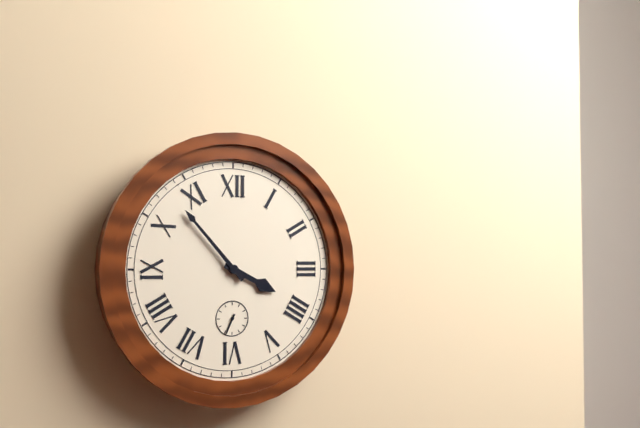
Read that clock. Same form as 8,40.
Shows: 3,53
